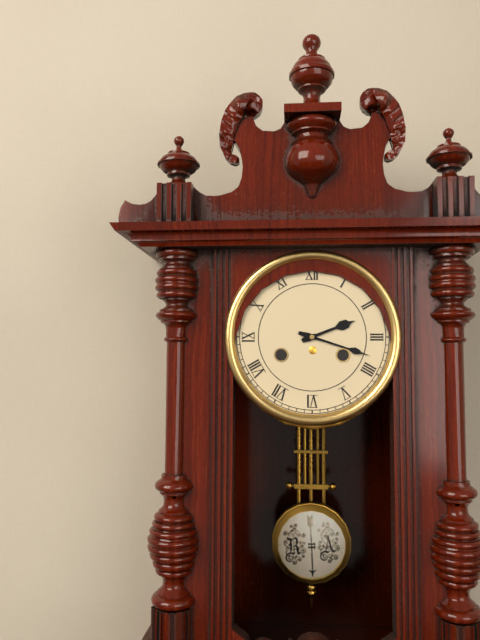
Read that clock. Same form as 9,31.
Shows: 2,18
